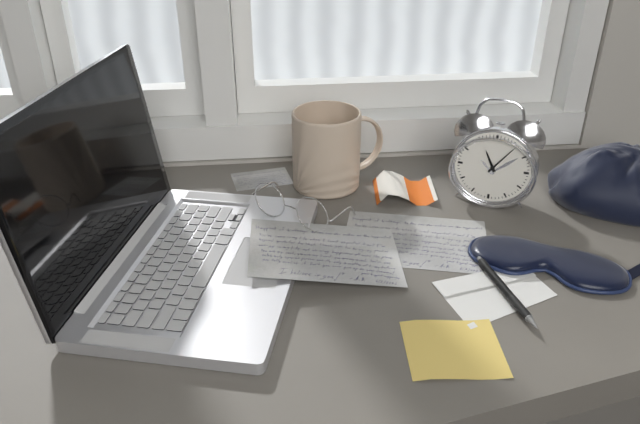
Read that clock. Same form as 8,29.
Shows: 11,06
